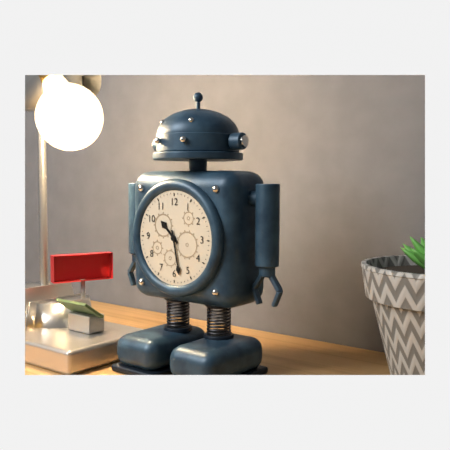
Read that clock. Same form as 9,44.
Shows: 10,28
